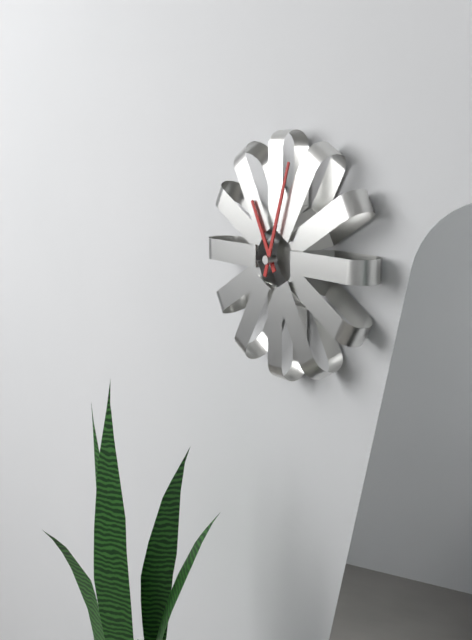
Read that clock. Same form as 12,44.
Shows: 11,03
